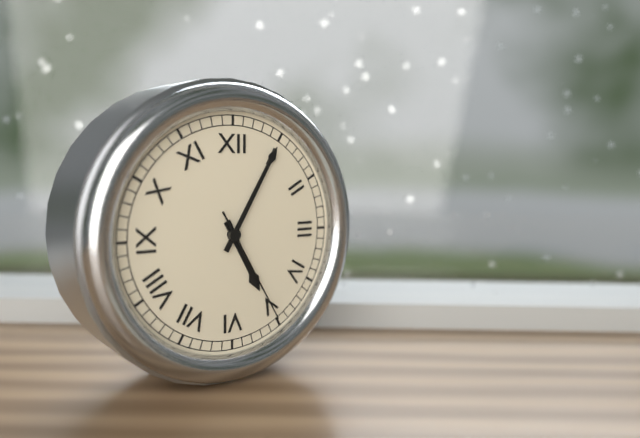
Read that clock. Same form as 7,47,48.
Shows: 5,05,25
